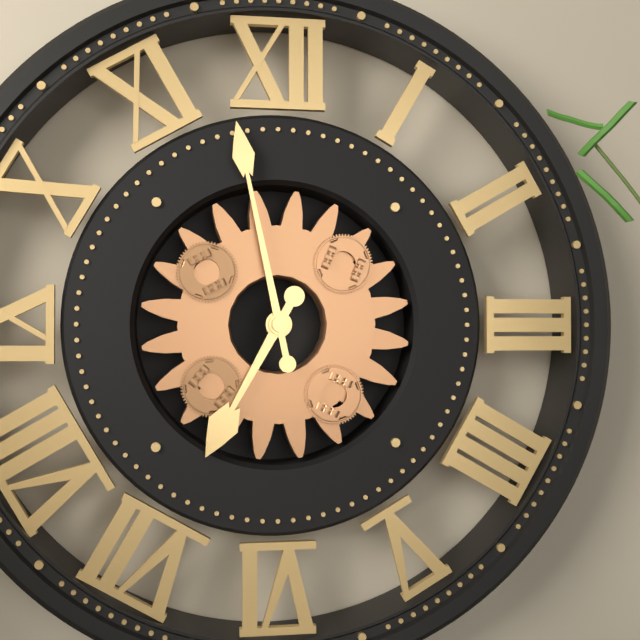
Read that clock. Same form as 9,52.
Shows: 6,58
